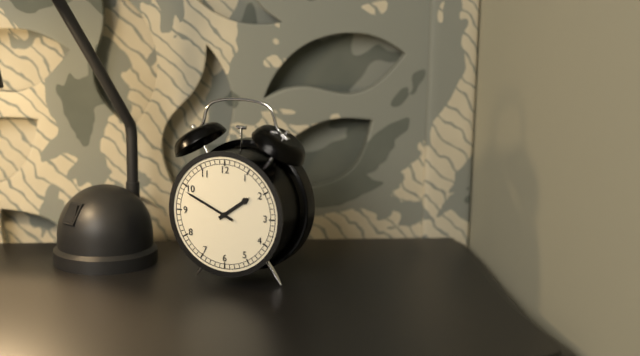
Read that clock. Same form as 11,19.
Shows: 1,49
